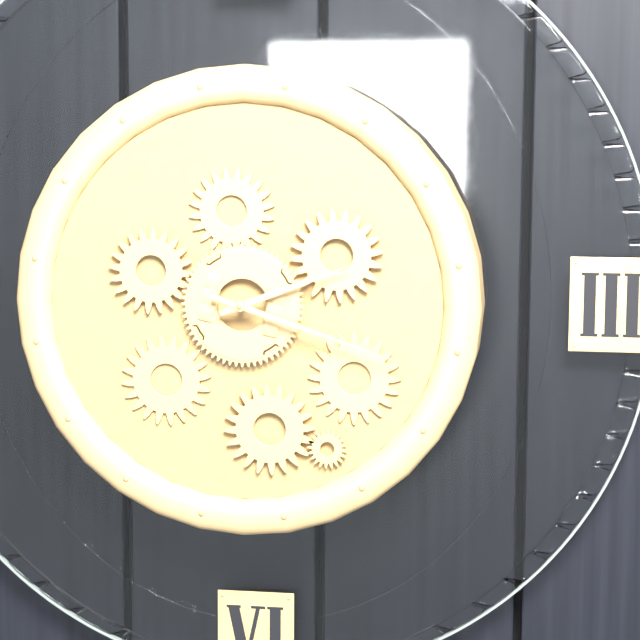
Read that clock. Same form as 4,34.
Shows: 2,18
